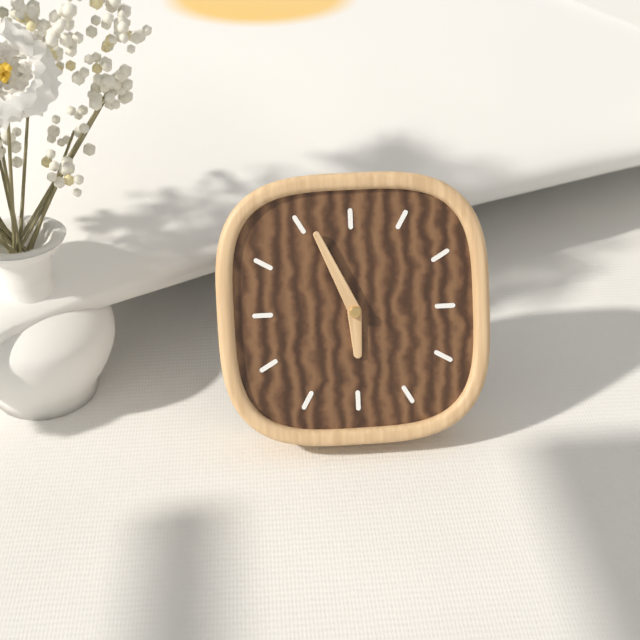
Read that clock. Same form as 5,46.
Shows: 5,56
